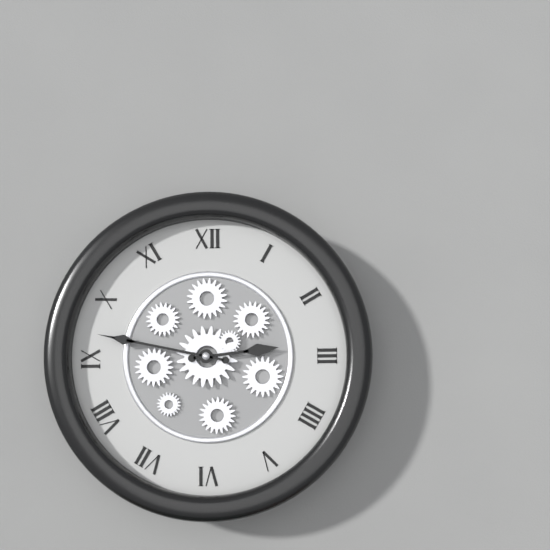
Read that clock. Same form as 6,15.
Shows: 2,47
